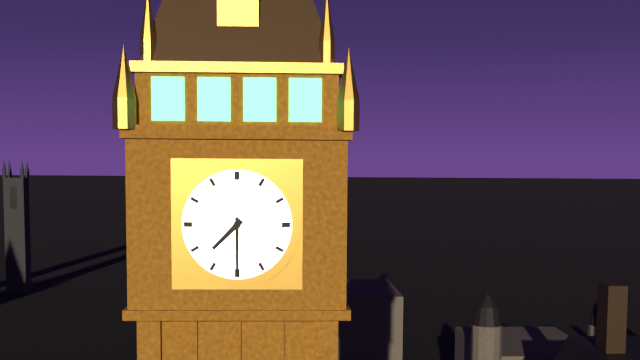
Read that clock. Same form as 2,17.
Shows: 7,30
